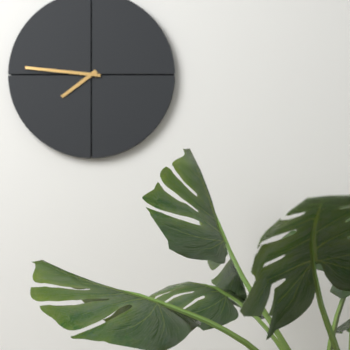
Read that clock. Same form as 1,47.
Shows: 7,46
